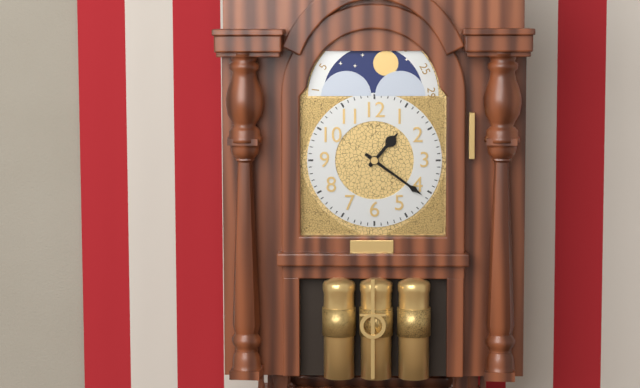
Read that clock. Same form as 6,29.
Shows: 1,21
